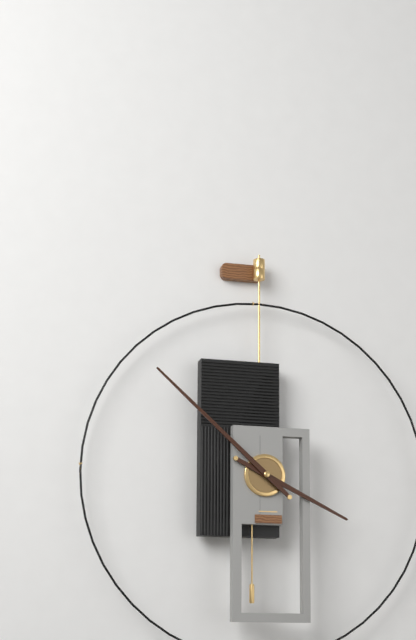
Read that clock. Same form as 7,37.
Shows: 3,52
